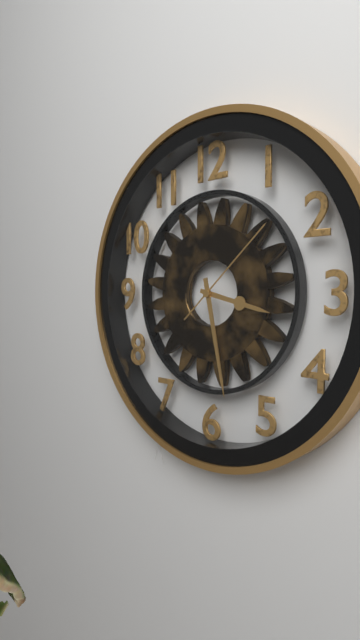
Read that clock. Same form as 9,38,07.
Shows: 3,28,08
